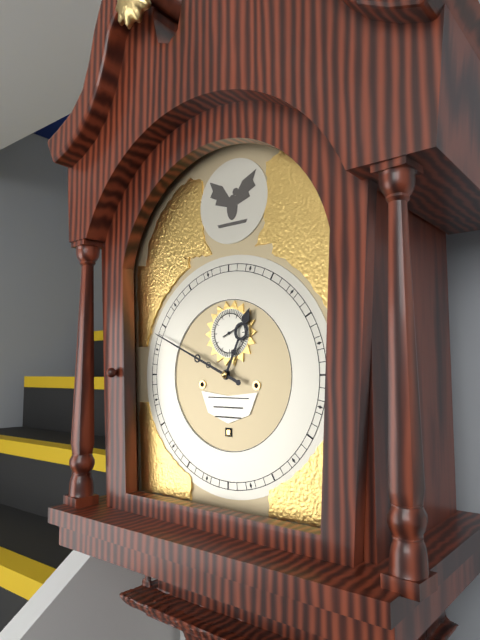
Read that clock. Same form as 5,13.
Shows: 12,49
